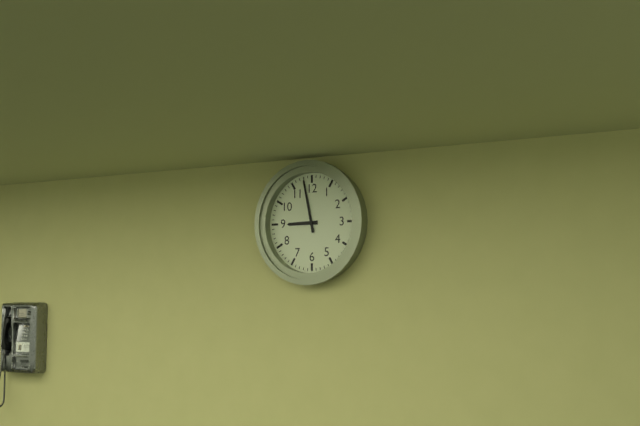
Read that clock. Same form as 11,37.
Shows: 8,58
